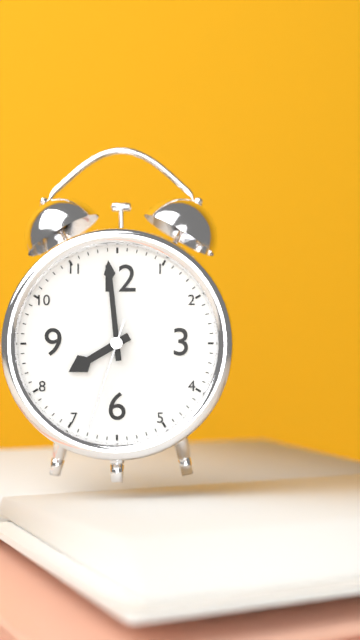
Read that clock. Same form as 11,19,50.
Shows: 7,59,33
